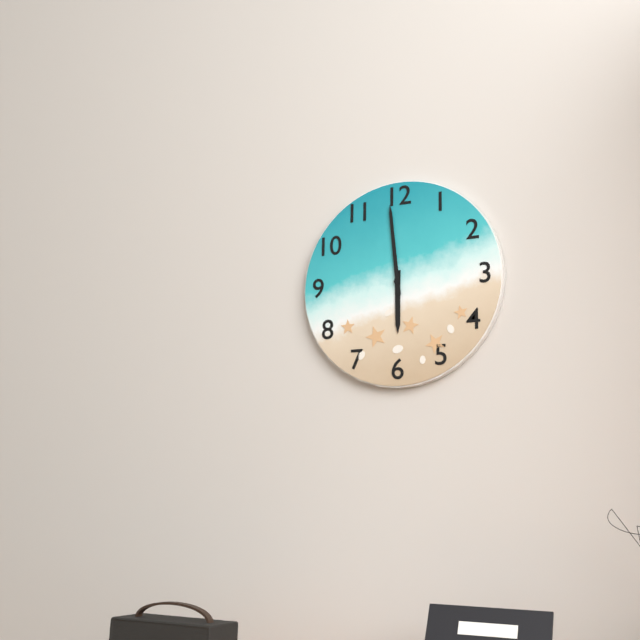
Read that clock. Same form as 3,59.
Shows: 5,59
